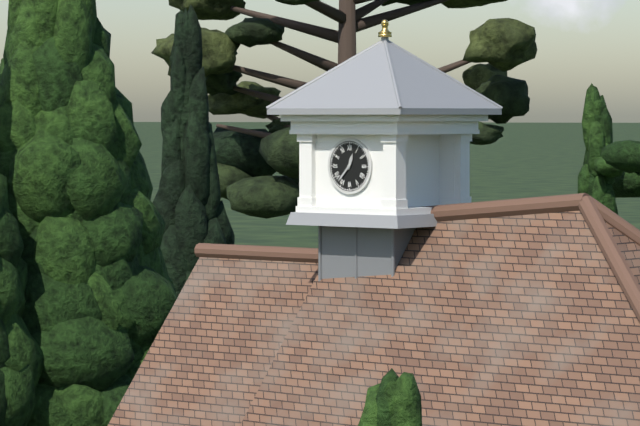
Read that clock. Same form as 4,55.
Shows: 12,37
